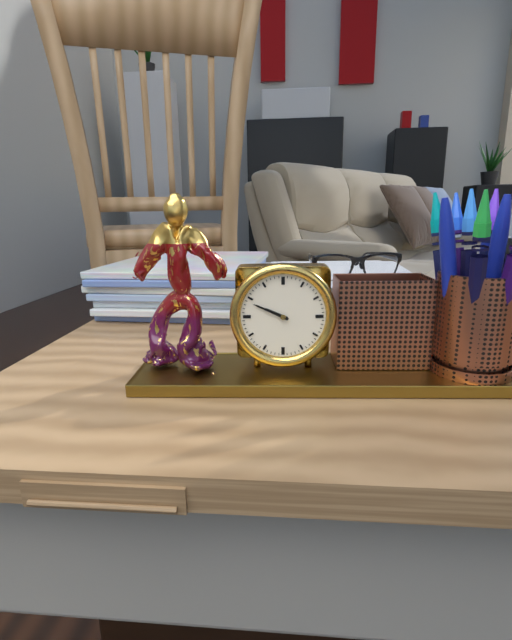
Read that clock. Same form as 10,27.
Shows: 9,49
